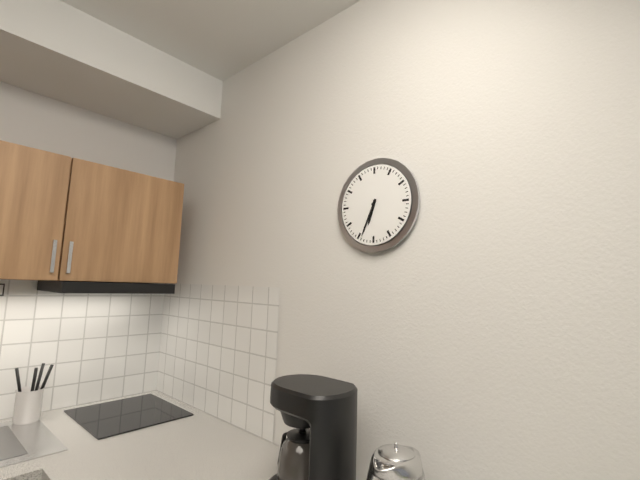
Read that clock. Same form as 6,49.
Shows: 6,34
